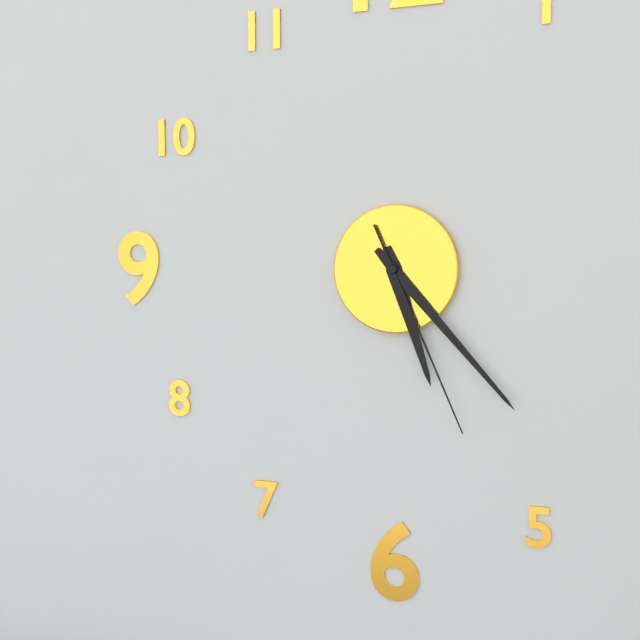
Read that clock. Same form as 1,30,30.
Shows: 5,23,26
